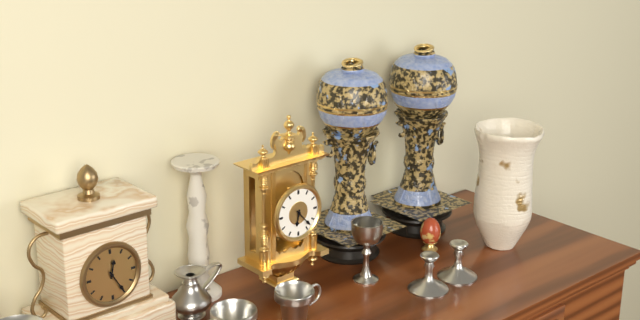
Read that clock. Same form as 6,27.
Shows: 6,23
